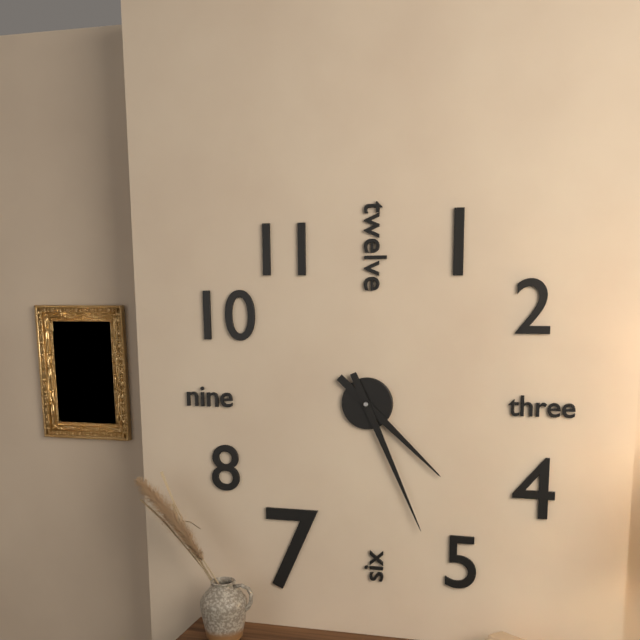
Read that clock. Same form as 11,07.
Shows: 4,26
